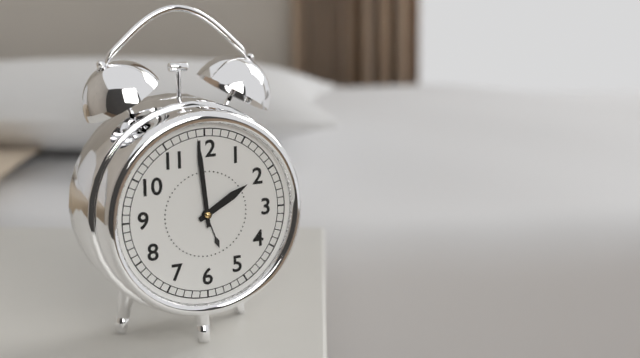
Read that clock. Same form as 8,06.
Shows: 1,59
